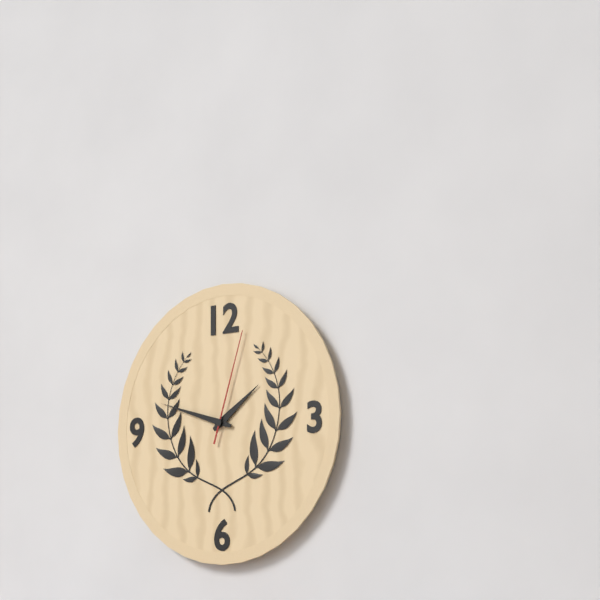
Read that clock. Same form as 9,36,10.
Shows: 1,48,03
